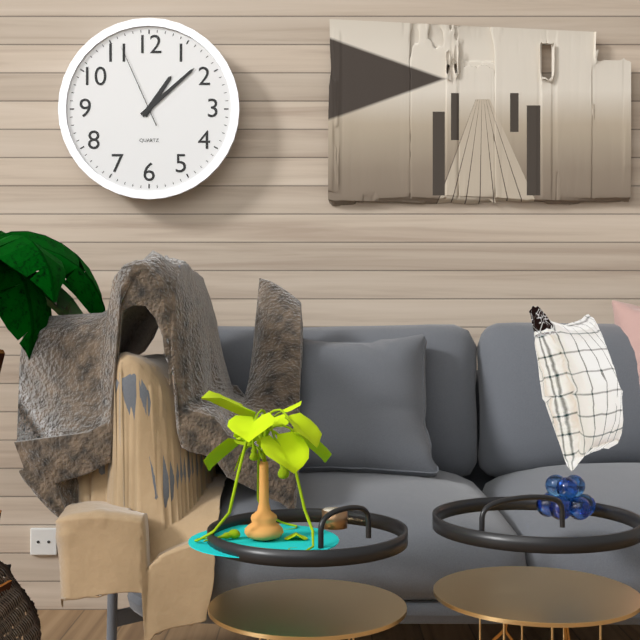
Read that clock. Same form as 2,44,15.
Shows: 1,08,56
